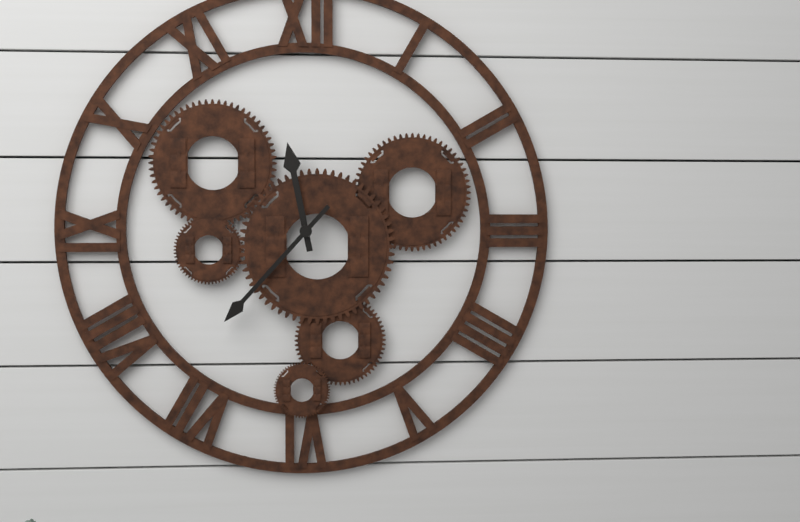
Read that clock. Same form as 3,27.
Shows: 11,37
